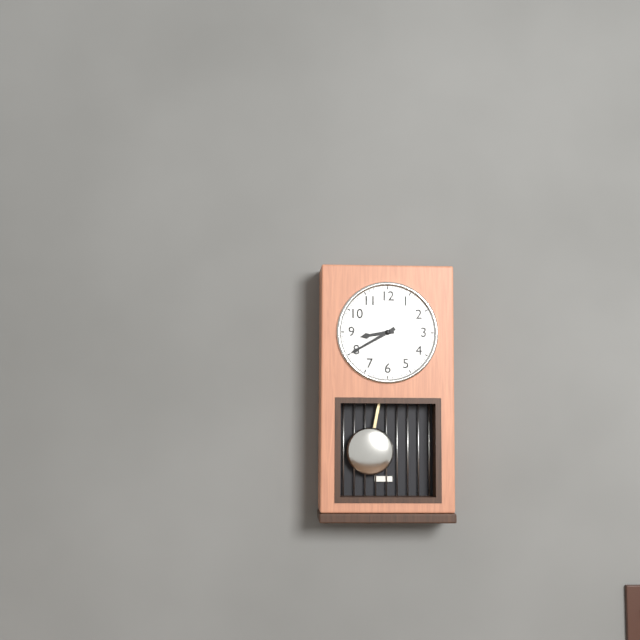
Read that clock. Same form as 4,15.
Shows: 8,40
